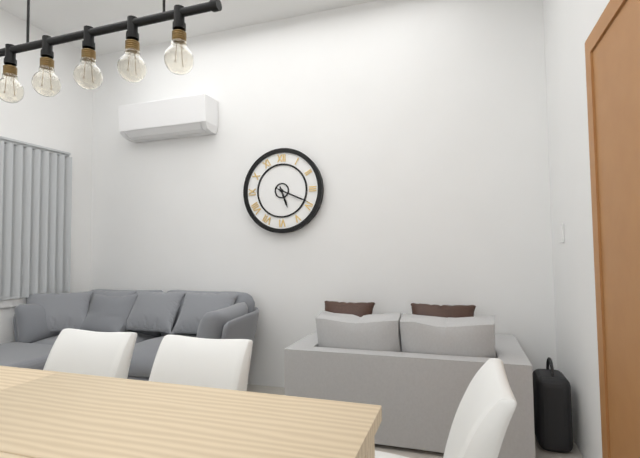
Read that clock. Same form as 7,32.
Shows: 5,19
